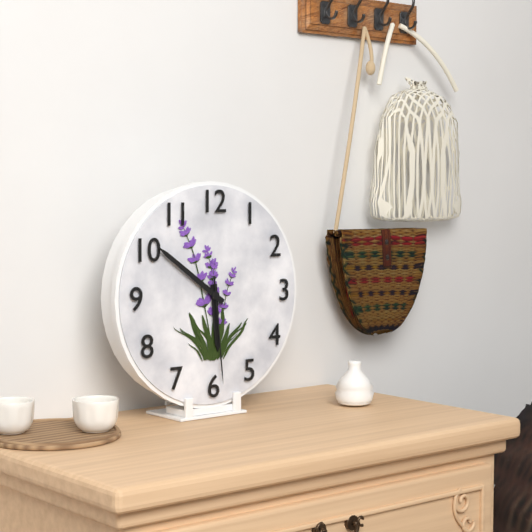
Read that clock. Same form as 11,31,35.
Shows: 5,51,29
